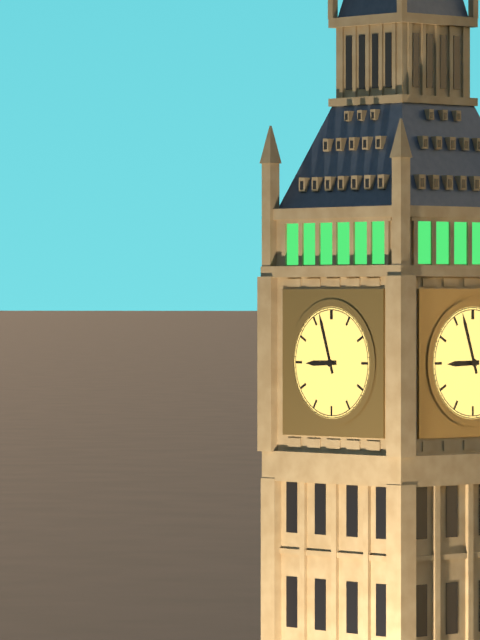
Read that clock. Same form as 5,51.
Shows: 8,57
